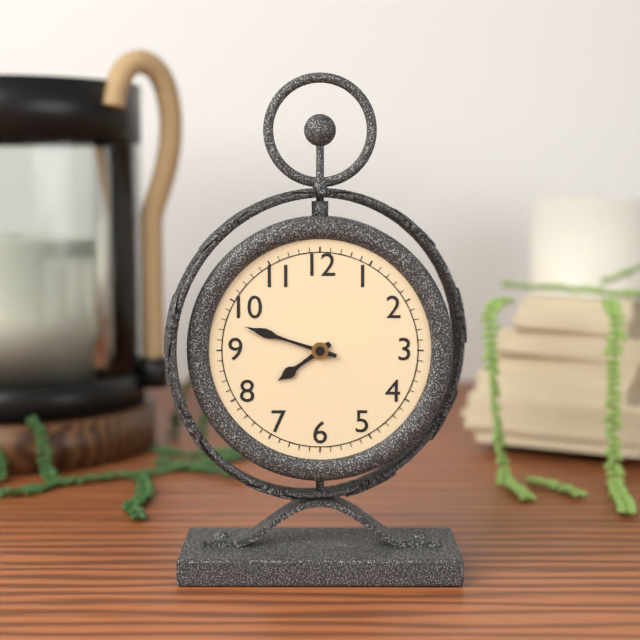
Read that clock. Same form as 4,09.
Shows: 7,48
